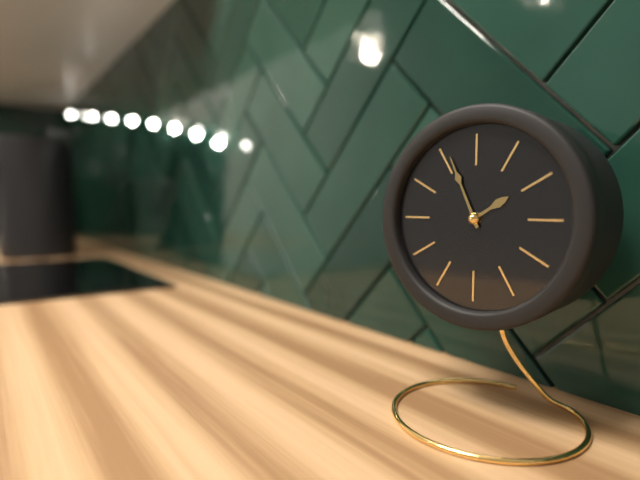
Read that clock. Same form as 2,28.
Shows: 1,56
